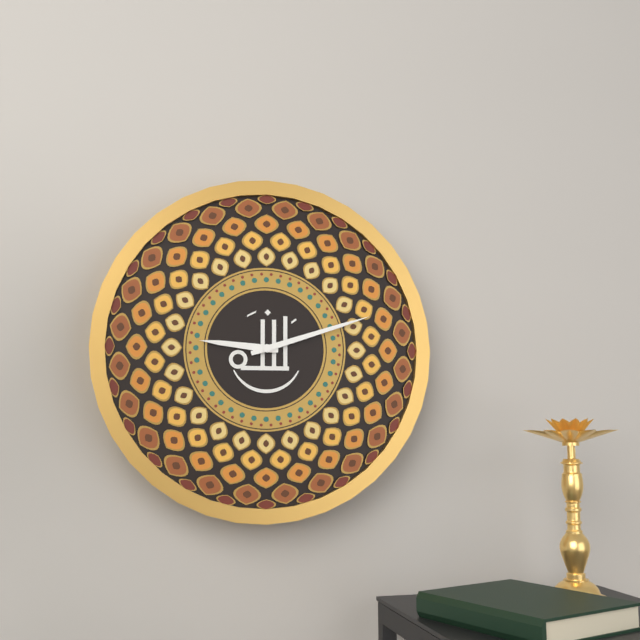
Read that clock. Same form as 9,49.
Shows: 9,12
